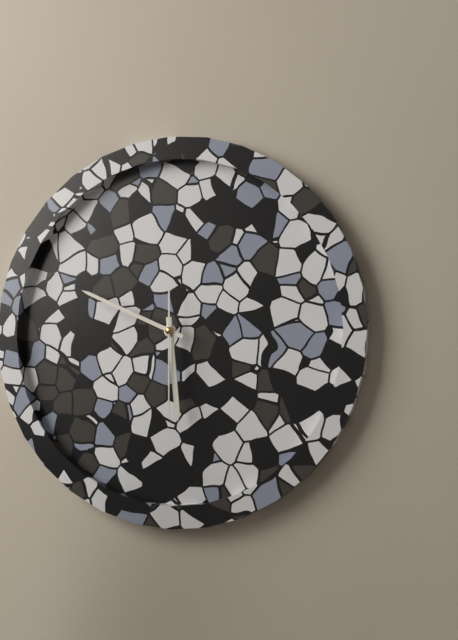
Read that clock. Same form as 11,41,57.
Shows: 5,49,30
